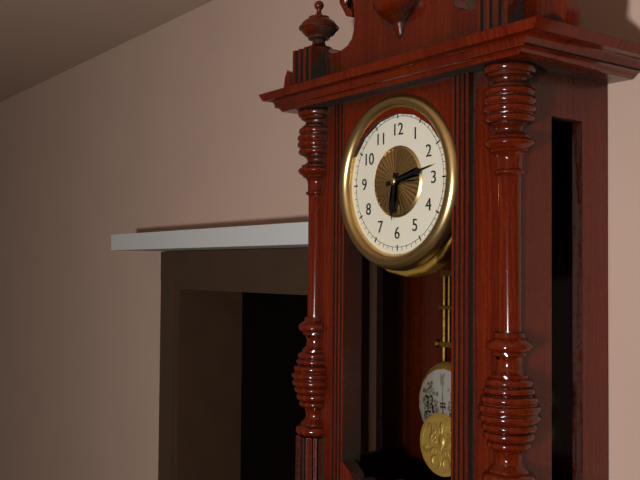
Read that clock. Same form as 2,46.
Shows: 6,13
